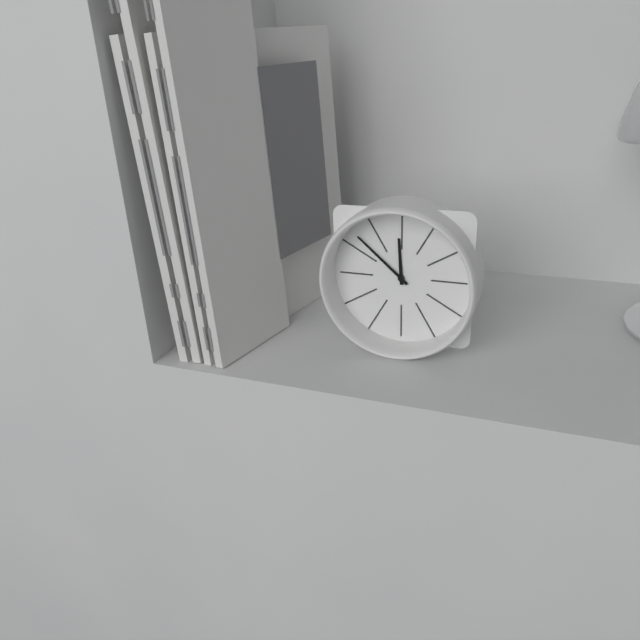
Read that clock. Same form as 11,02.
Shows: 11,52
